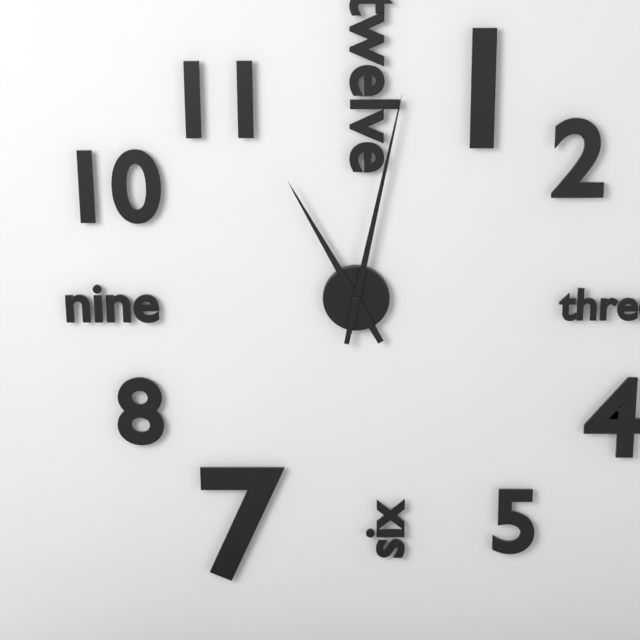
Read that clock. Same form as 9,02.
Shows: 11,02
